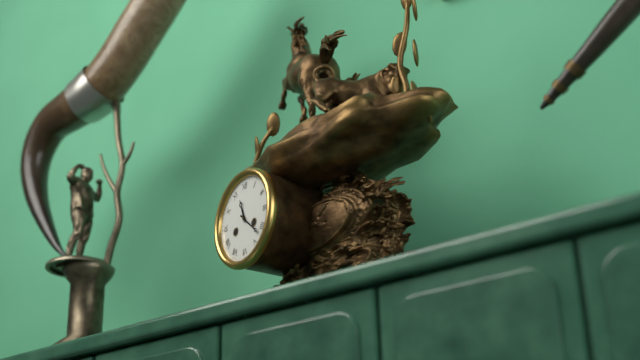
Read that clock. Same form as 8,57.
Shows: 11,22
